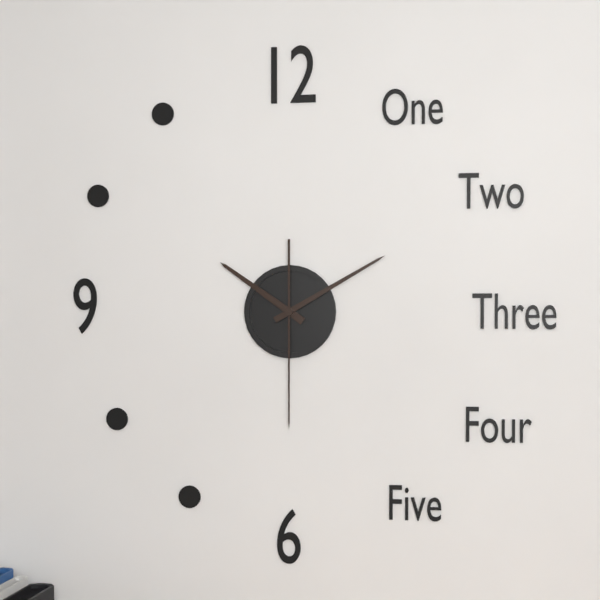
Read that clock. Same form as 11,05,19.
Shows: 10,10,30
